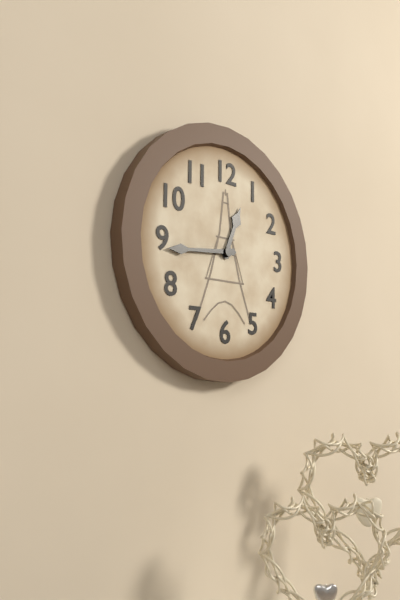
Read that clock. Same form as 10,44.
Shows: 12,44
